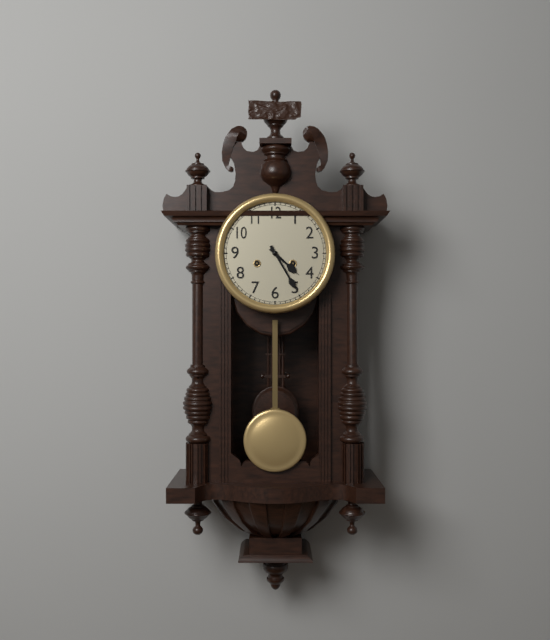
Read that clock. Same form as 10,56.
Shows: 4,25
